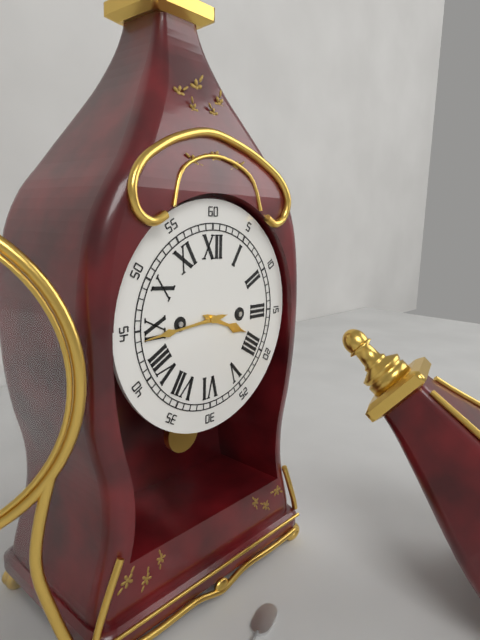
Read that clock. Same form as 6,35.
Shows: 3,44
